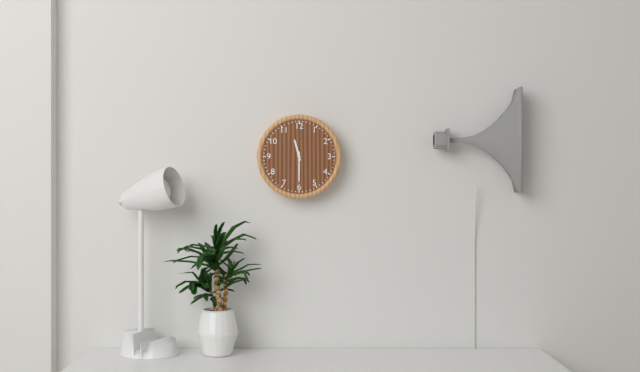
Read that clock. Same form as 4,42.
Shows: 11,30
